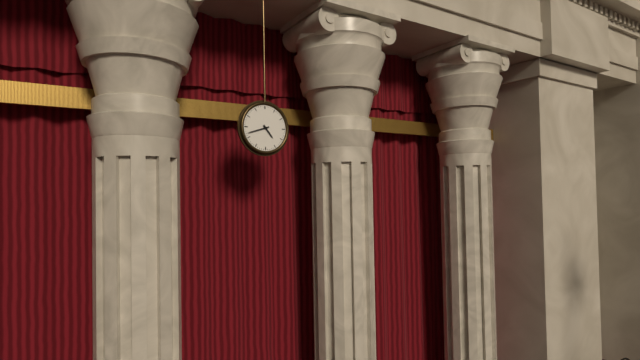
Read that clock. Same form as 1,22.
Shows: 4,42
